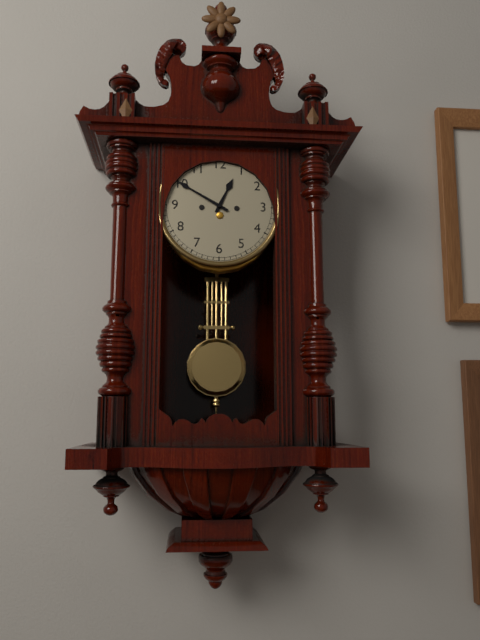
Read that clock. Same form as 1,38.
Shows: 12,50
